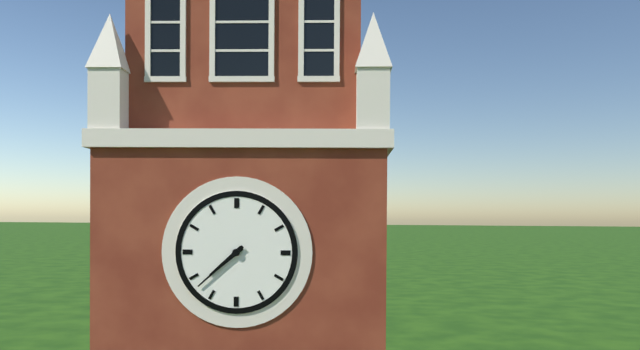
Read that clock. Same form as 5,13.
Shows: 7,38
